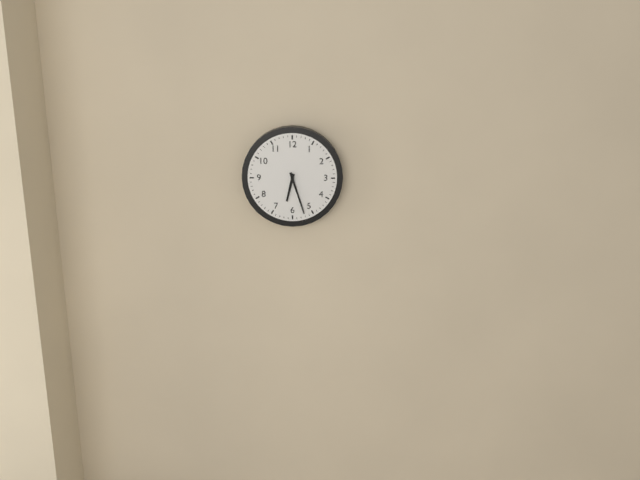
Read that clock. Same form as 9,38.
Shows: 6,27
